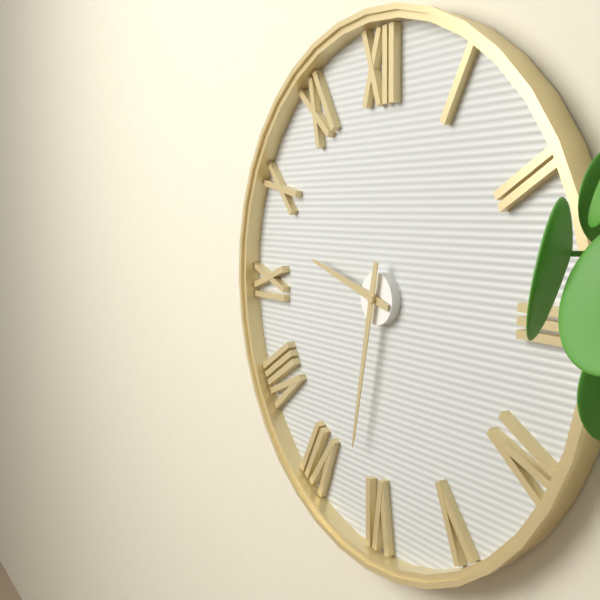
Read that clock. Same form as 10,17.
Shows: 9,32
